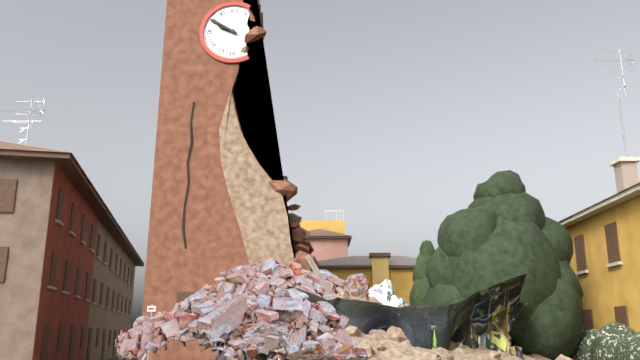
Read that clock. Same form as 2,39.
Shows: 9,50
